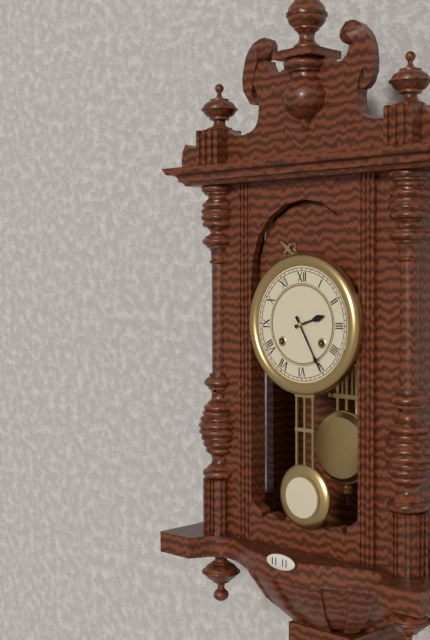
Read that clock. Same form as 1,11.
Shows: 2,25
